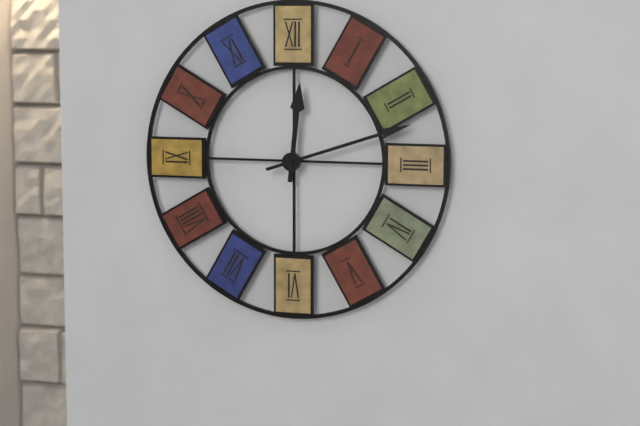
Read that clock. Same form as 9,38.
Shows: 12,12
